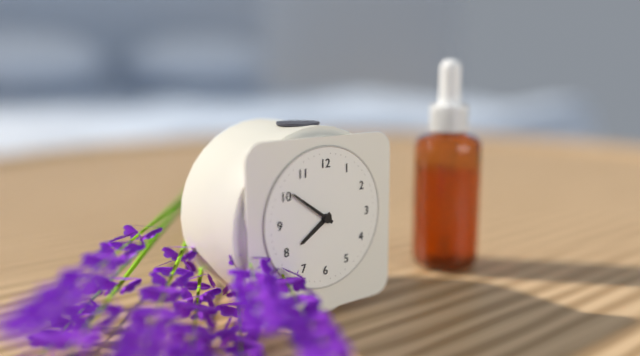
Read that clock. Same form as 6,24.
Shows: 7,51
